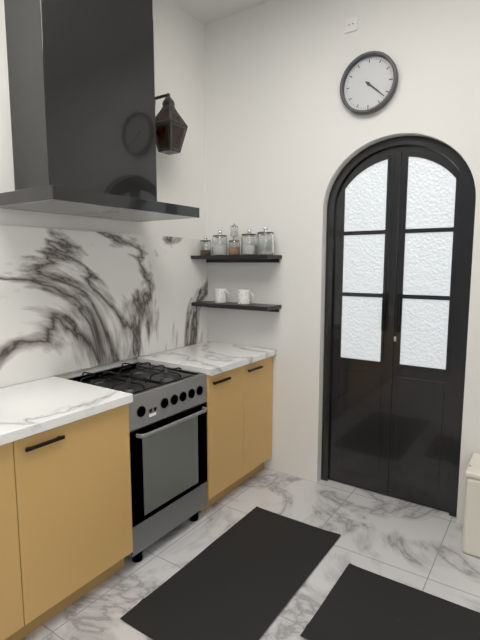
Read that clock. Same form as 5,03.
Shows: 4,22
